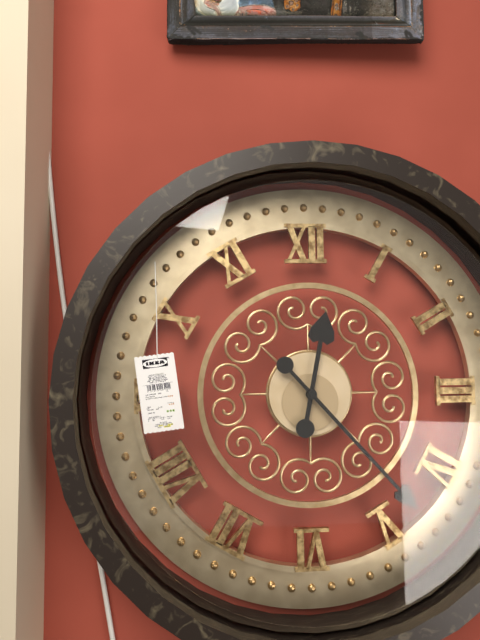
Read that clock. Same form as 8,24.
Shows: 12,23
